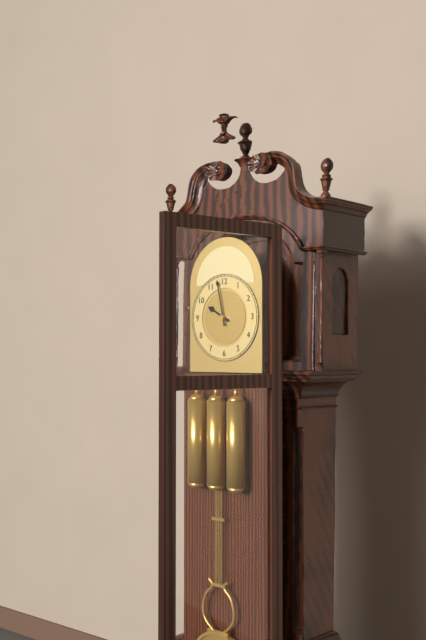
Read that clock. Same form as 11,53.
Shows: 9,58
